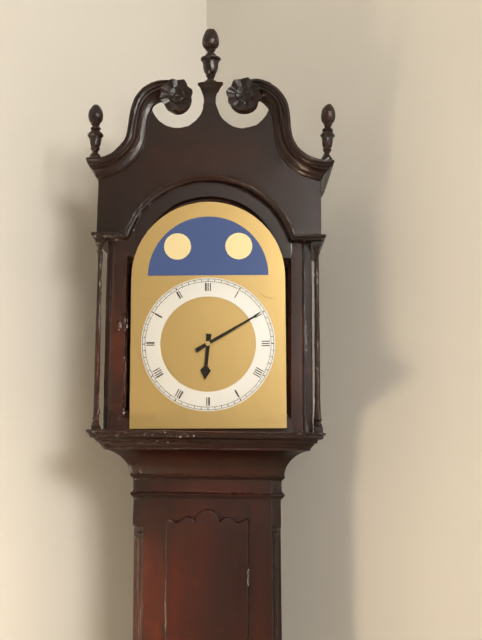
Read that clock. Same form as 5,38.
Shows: 6,10
